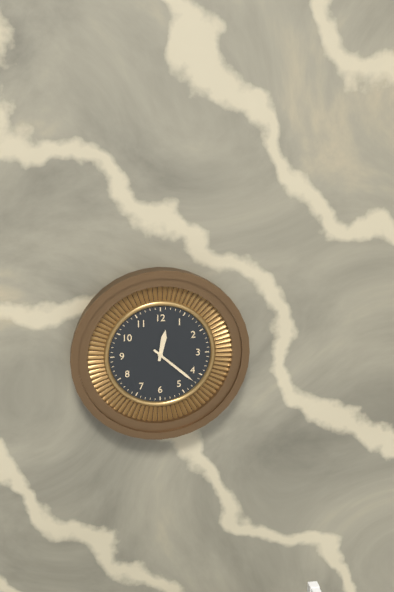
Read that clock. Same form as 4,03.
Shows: 12,22
